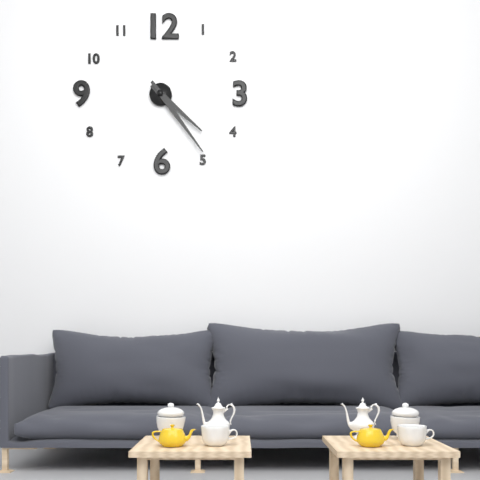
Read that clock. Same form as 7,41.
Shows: 4,24
